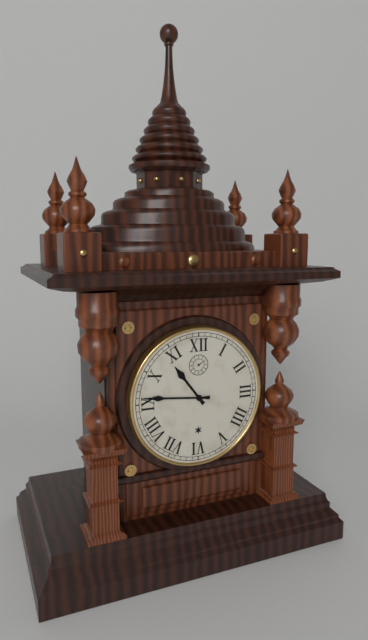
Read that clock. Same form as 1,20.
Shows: 10,46
